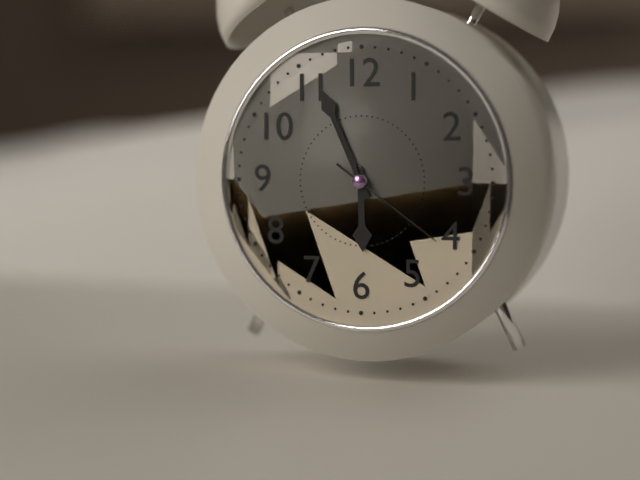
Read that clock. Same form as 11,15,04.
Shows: 5,56,21
